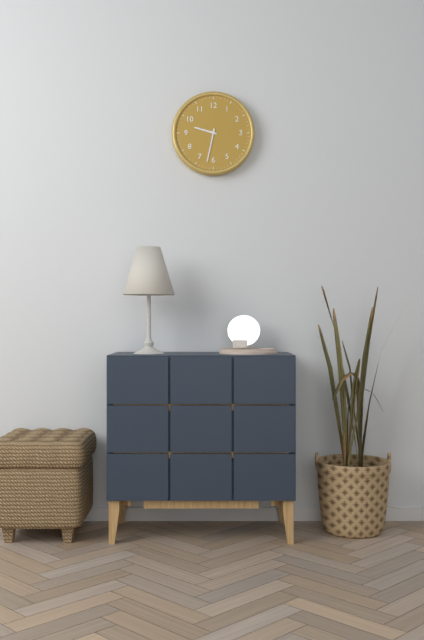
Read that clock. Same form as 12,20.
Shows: 9,32
